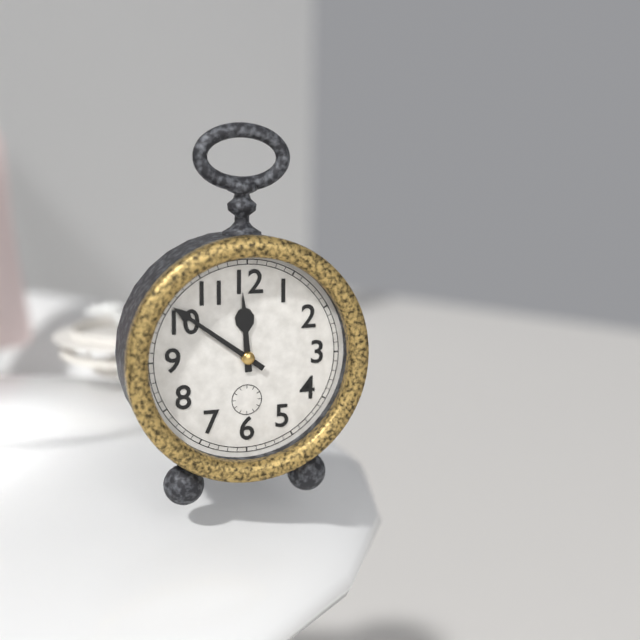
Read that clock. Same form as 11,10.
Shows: 11,51
